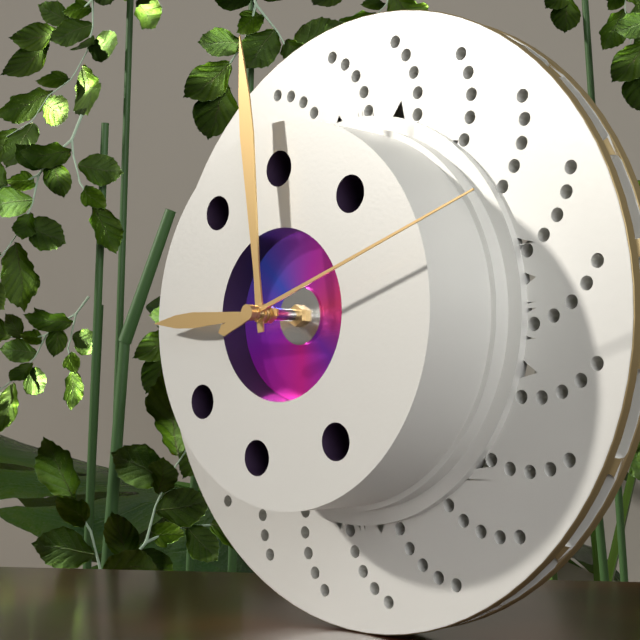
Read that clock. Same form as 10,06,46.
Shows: 8,59,12
